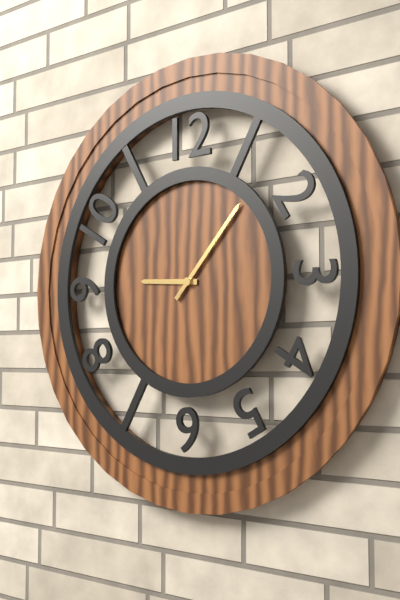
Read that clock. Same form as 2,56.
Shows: 9,07
